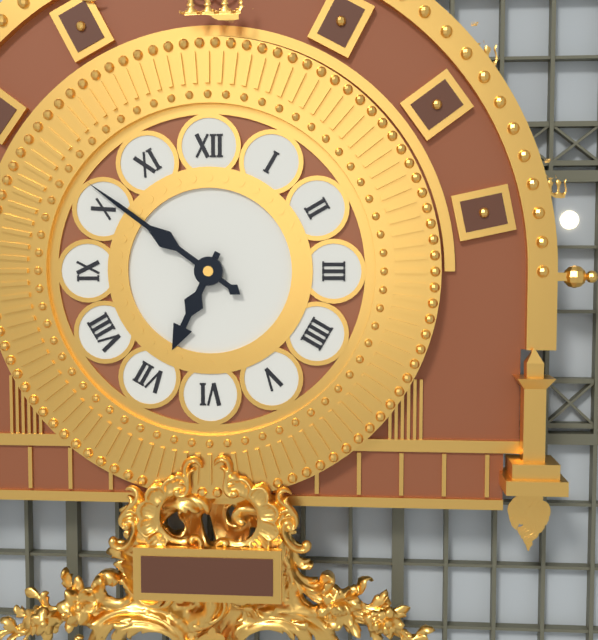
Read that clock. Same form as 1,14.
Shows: 6,51
